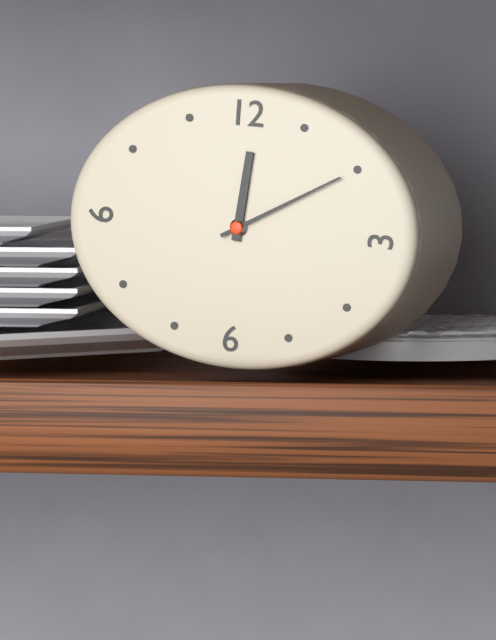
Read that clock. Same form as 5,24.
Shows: 12,10
